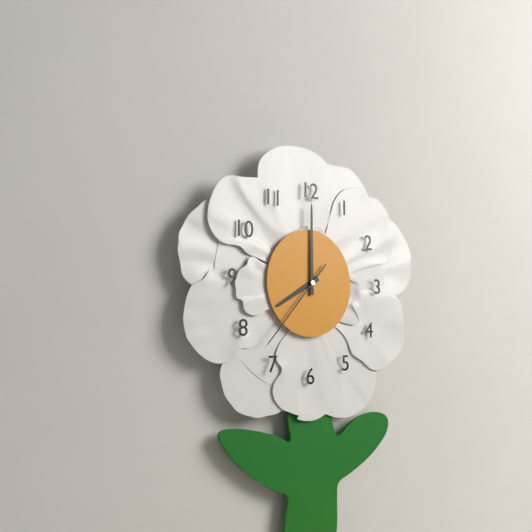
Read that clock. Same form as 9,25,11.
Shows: 8,00,37
